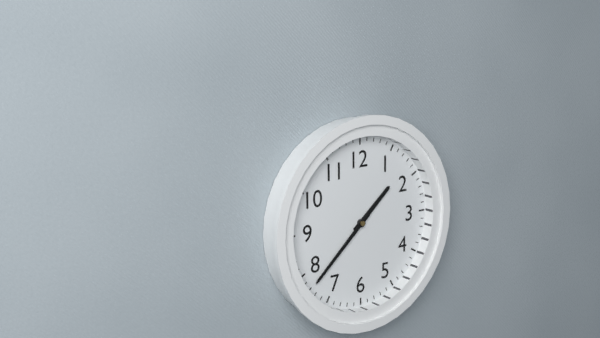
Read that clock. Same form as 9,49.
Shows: 1,38
